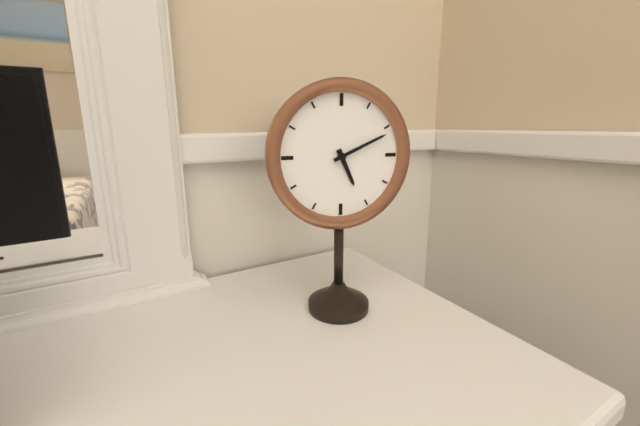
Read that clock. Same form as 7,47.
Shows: 5,11
